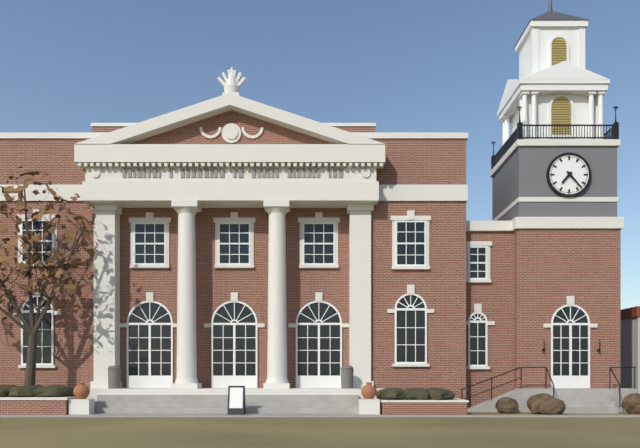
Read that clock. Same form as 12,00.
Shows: 7,23
